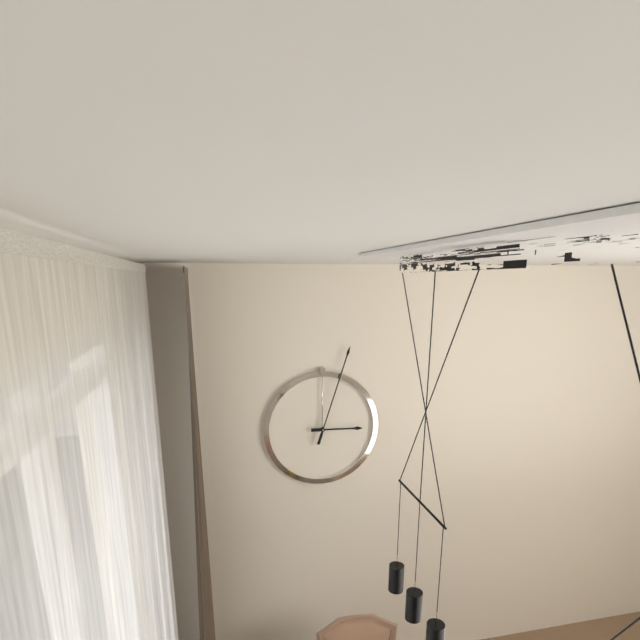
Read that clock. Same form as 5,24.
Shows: 3,03
